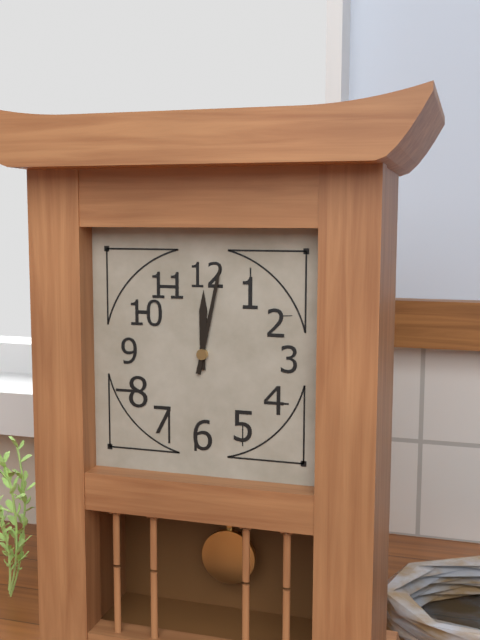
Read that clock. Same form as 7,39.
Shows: 12,02
